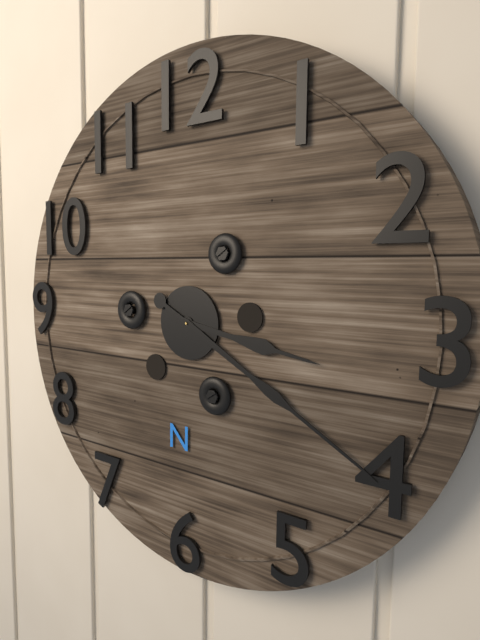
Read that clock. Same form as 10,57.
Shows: 3,20
